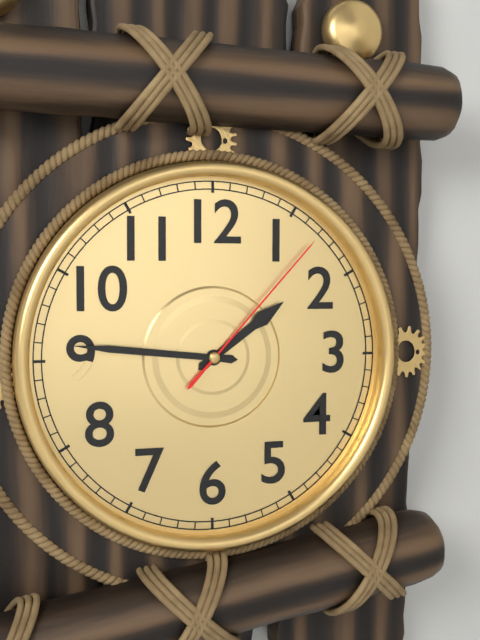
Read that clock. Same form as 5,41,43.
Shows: 1,46,07
